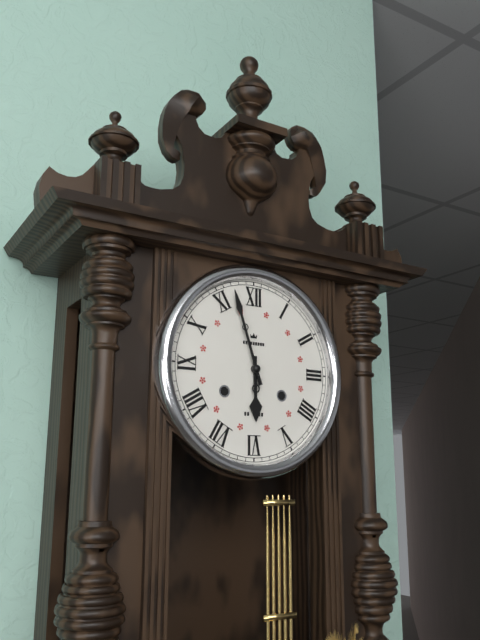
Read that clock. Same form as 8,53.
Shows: 5,57
